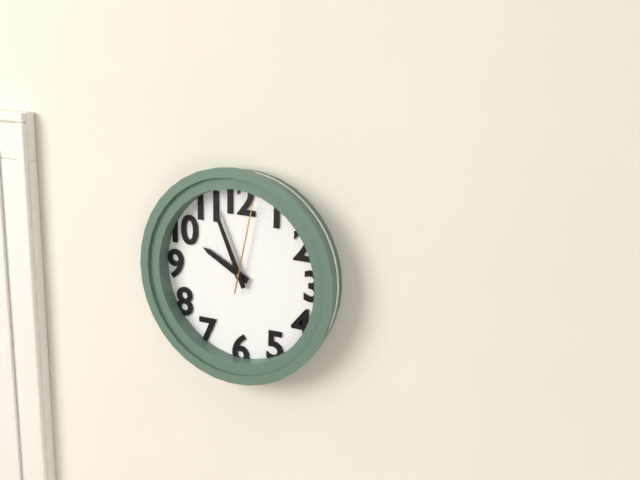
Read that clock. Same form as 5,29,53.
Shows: 9,56,02
